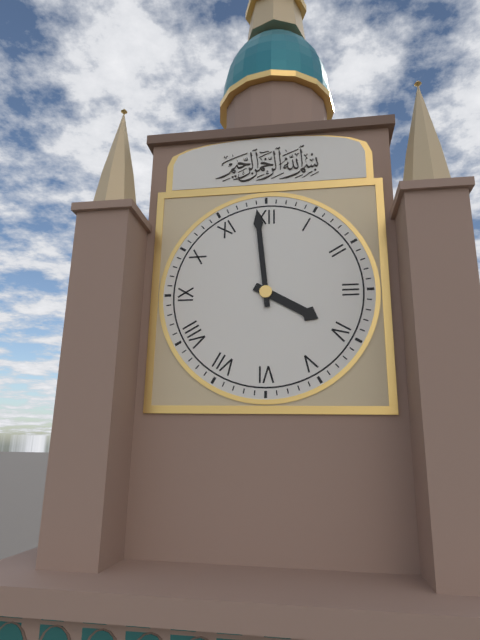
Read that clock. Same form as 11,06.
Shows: 3,59
